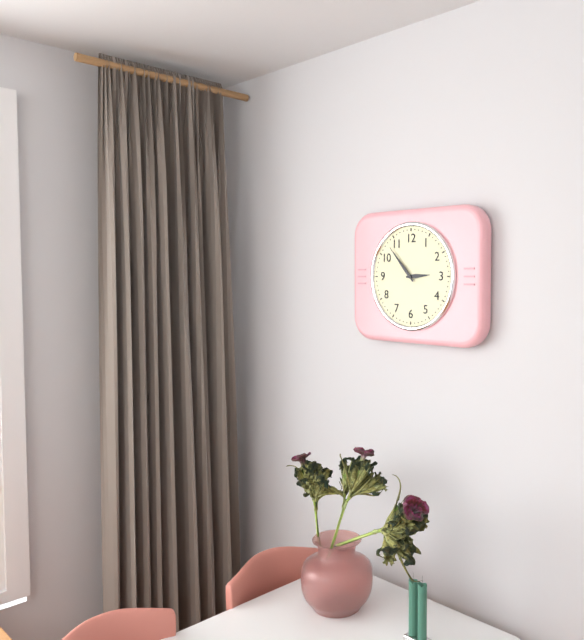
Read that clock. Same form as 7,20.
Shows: 2,53
